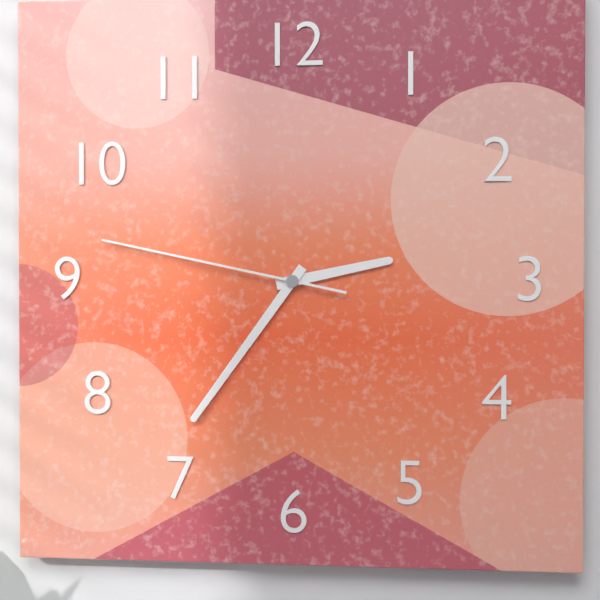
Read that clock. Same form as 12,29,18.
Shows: 2,36,47
